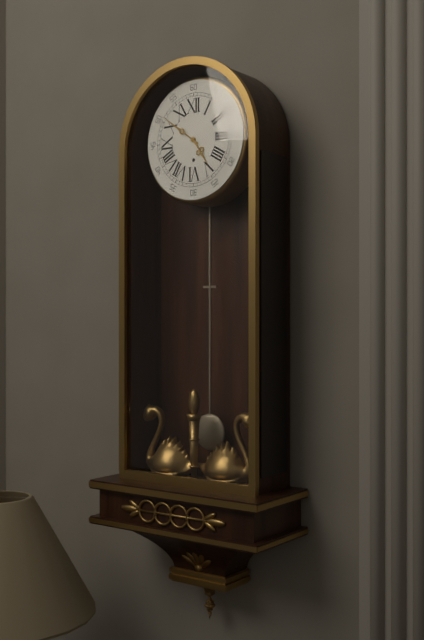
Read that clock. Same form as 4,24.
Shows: 4,51
